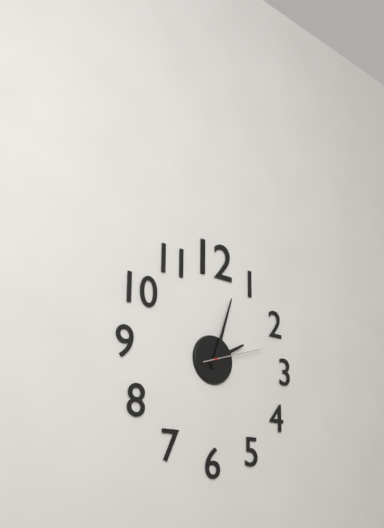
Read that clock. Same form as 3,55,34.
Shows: 2,03,12
